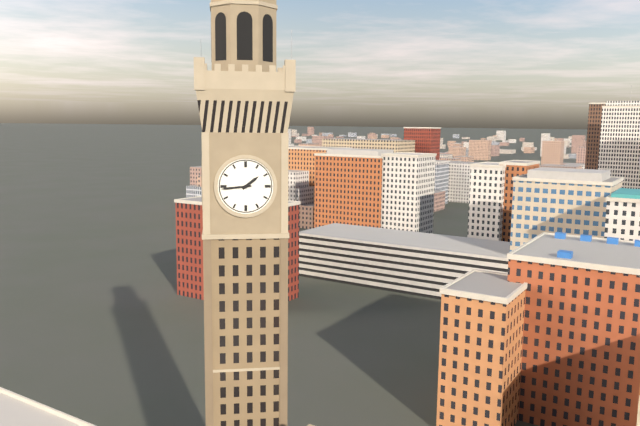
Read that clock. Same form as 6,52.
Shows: 1,44
